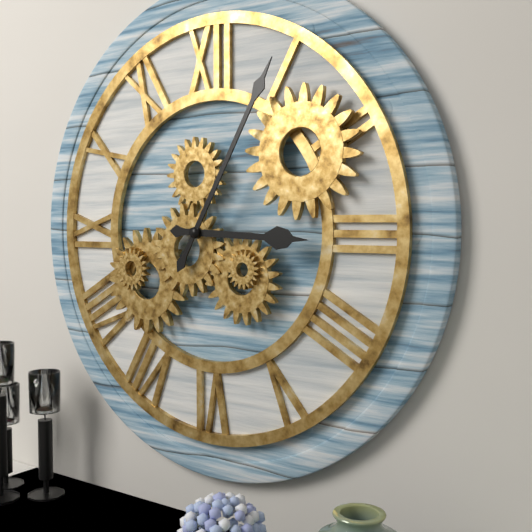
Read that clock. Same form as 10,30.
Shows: 3,05
